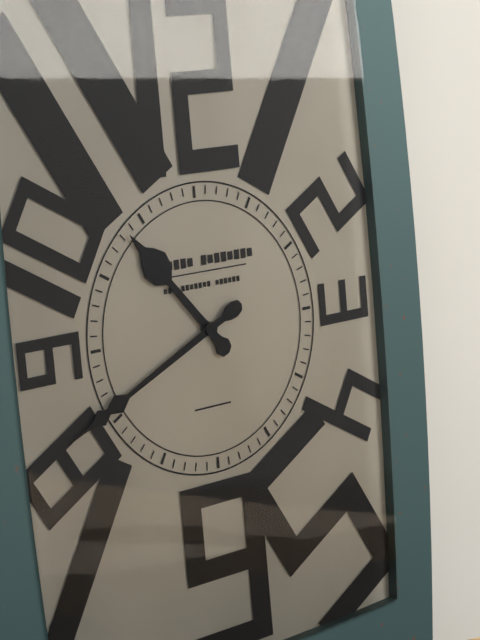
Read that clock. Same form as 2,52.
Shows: 10,41
